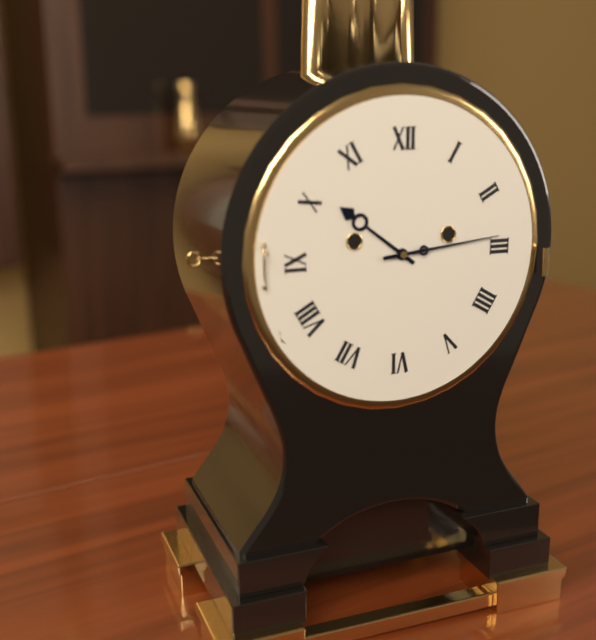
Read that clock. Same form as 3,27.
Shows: 10,14
